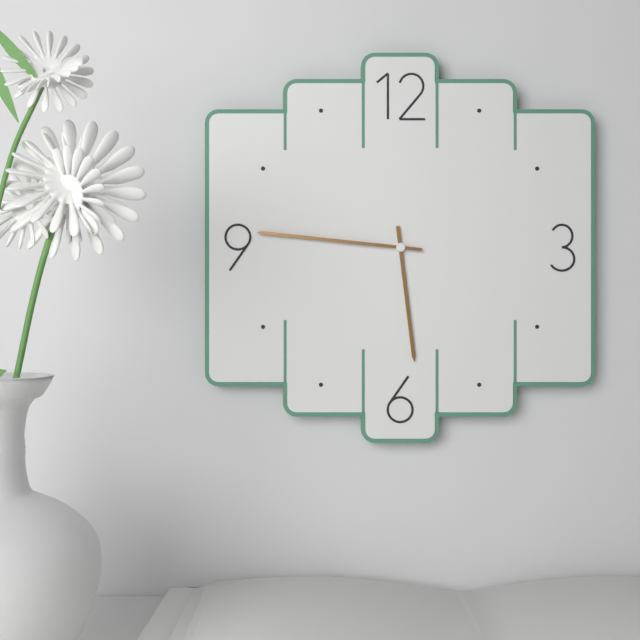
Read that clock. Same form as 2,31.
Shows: 5,46
